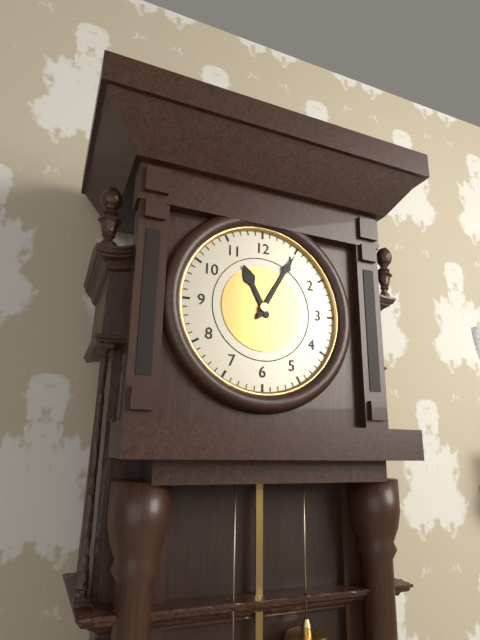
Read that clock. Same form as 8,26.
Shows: 11,05
